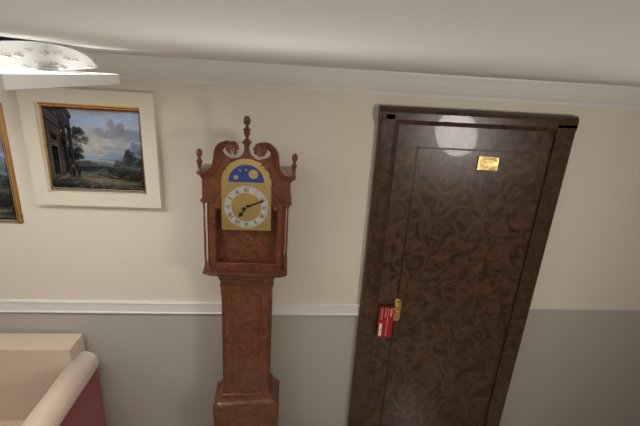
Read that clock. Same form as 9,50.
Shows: 7,11
